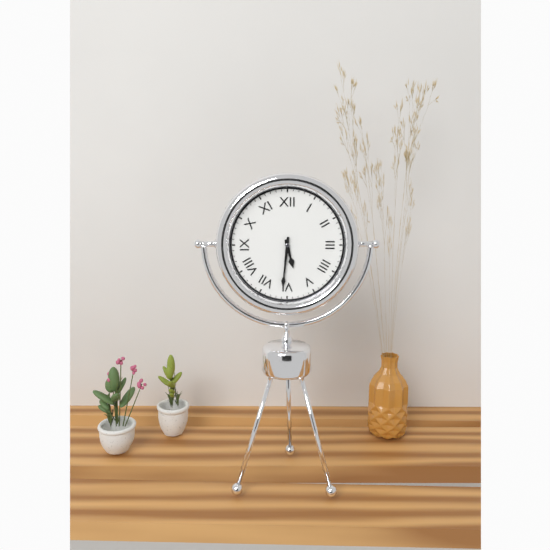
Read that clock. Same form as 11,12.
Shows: 5,31
